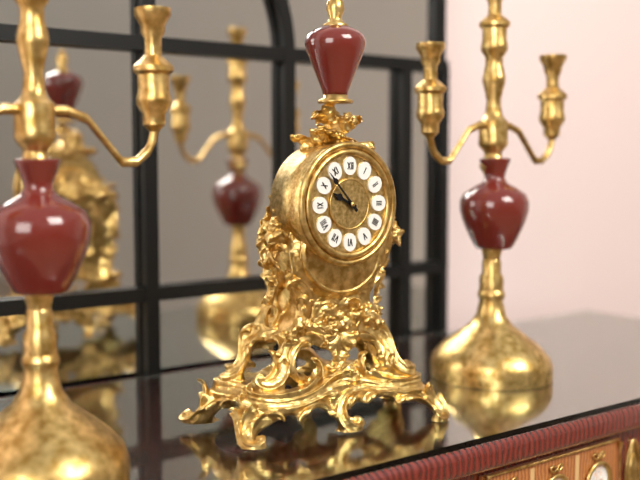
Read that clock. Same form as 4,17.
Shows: 9,53
